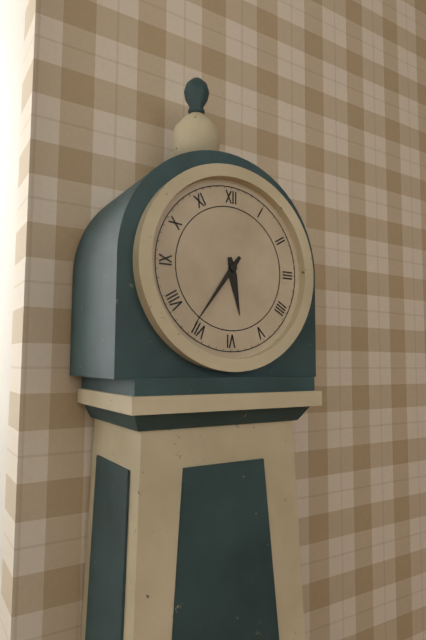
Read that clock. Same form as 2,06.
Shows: 5,36
